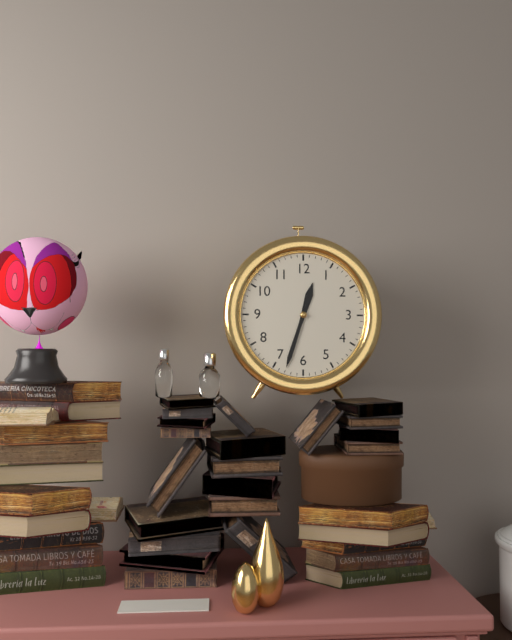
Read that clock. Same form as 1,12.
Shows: 12,33
